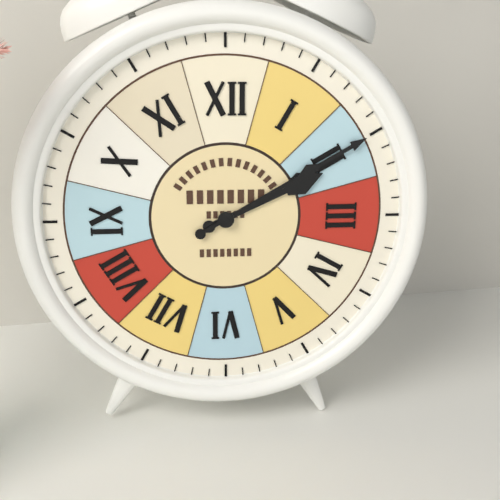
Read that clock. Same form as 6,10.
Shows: 2,10
